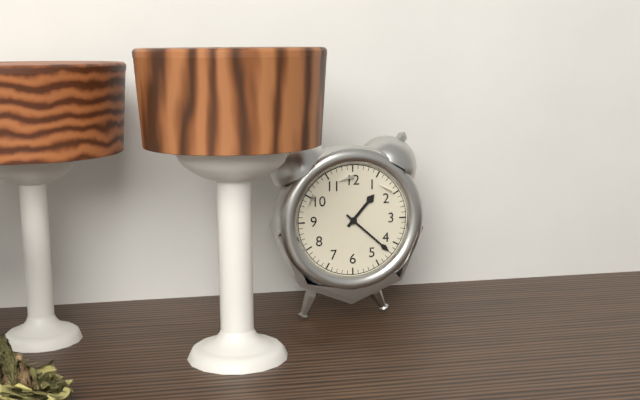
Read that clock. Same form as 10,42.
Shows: 1,22
